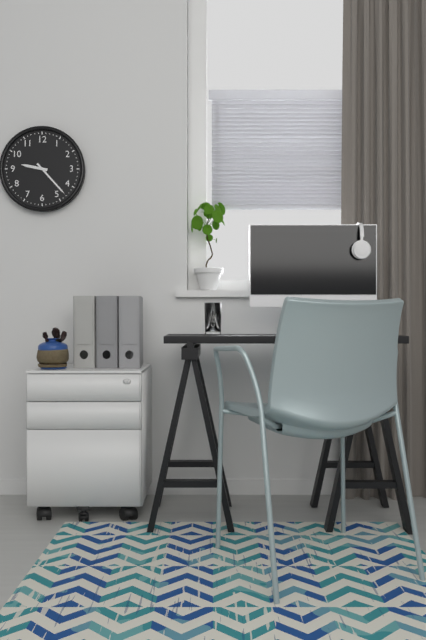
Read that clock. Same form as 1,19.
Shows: 9,23
